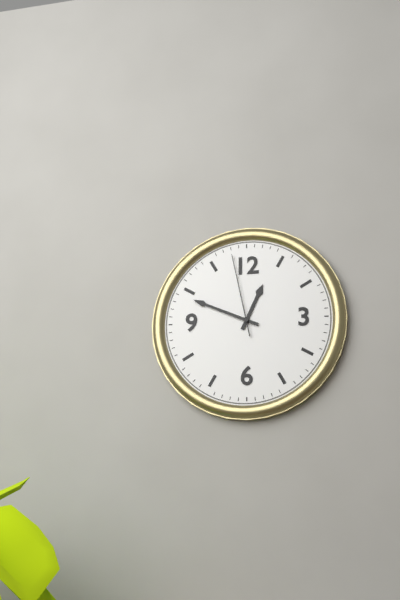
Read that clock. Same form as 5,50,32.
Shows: 12,49,58
